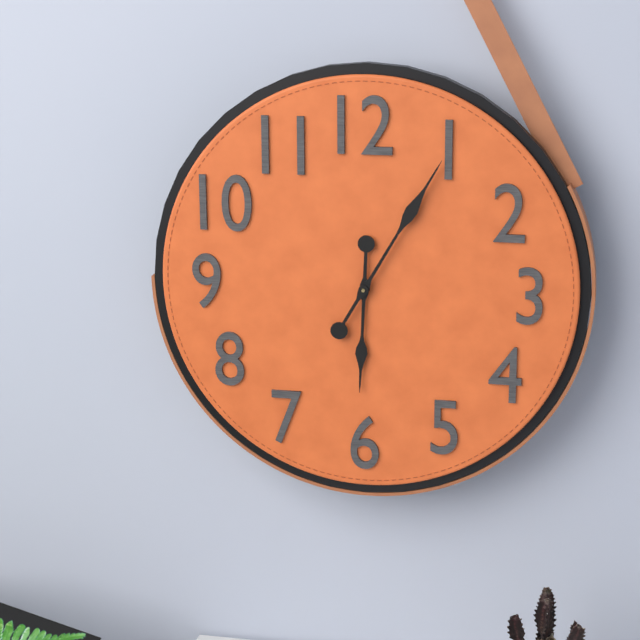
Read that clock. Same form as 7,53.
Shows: 6,05
